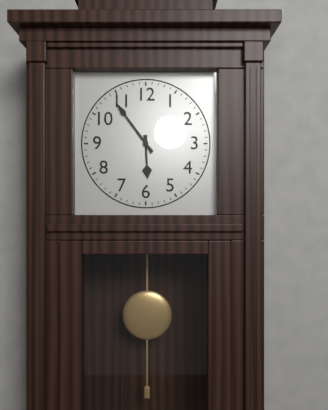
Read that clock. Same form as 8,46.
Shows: 5,54
